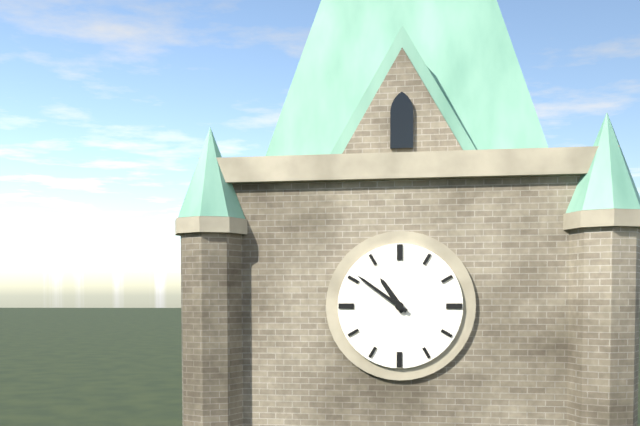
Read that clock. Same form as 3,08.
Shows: 10,51
